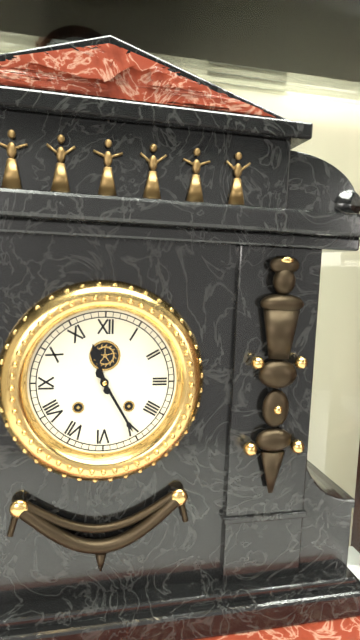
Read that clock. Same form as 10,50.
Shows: 11,25
